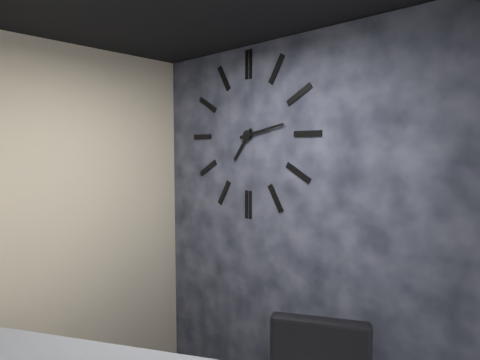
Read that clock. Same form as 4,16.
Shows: 7,13
